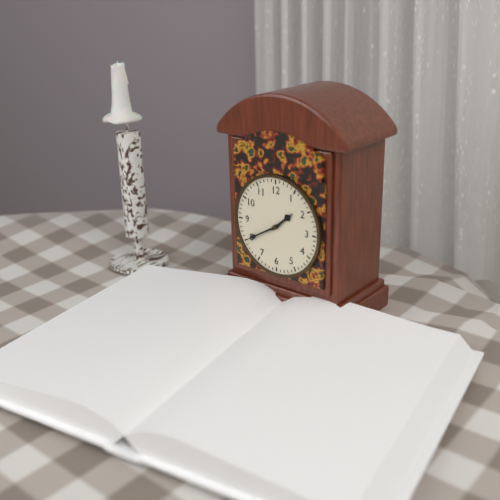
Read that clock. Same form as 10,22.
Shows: 1,40
